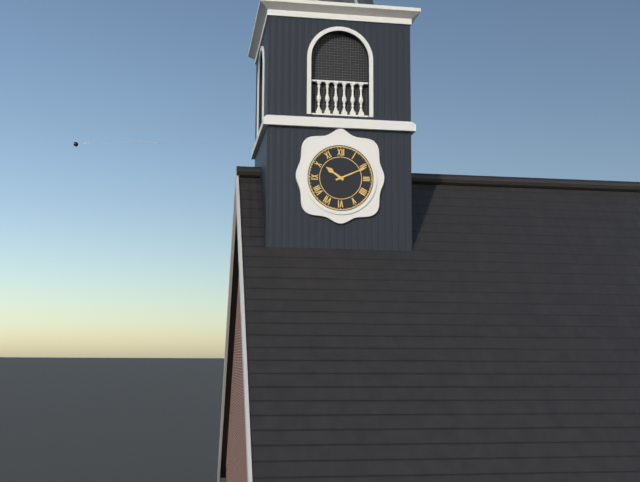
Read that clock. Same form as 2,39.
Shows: 10,11
